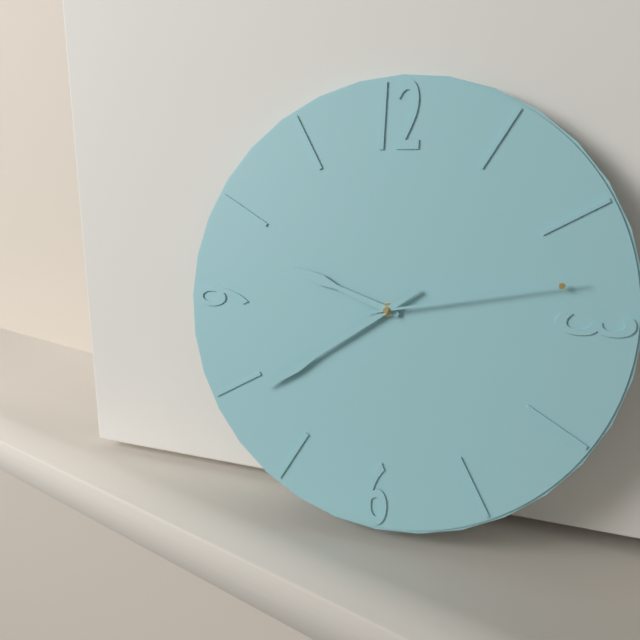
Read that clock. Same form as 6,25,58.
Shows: 9,39,13
